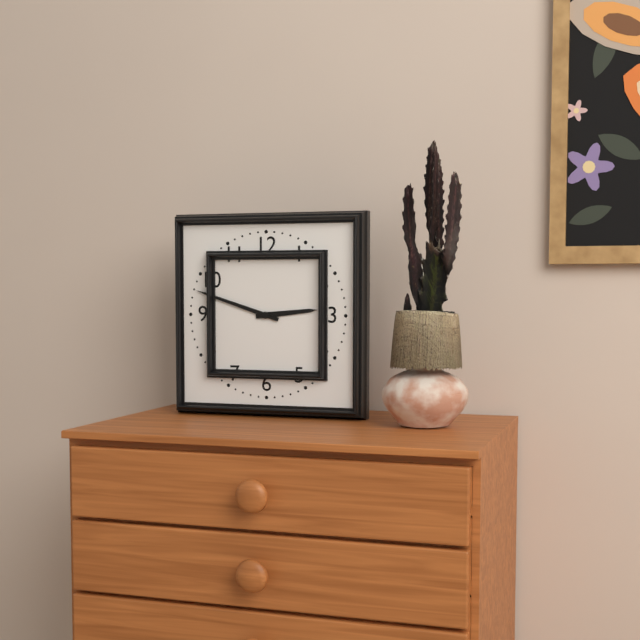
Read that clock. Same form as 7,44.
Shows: 2,48
